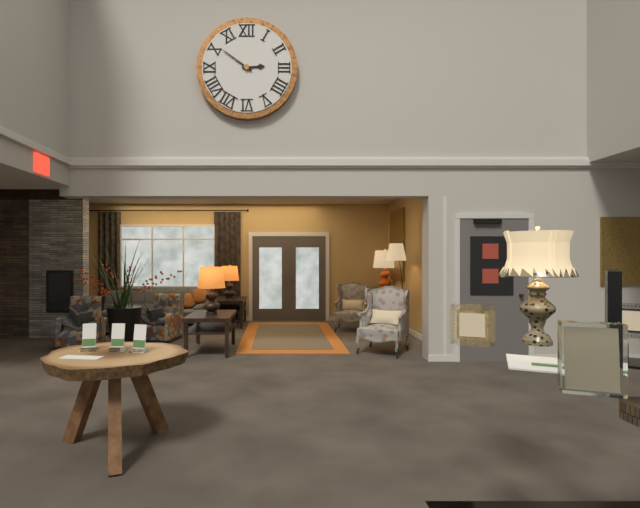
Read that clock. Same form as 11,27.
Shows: 2,51
